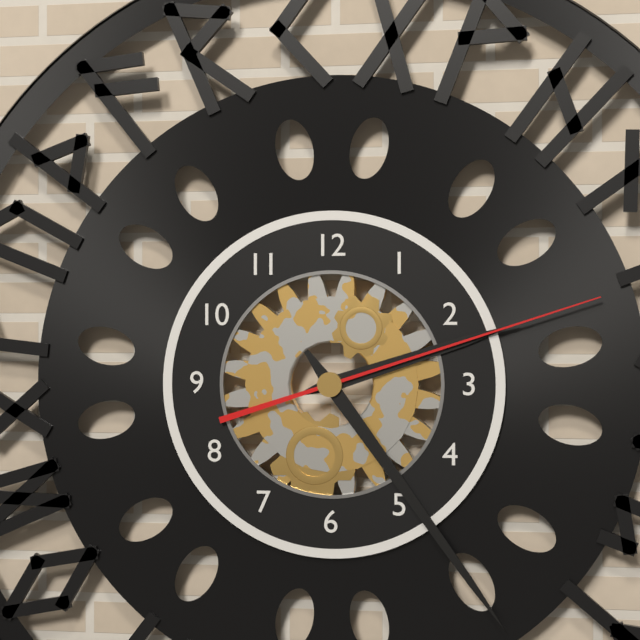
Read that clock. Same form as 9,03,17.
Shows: 2,24,12
